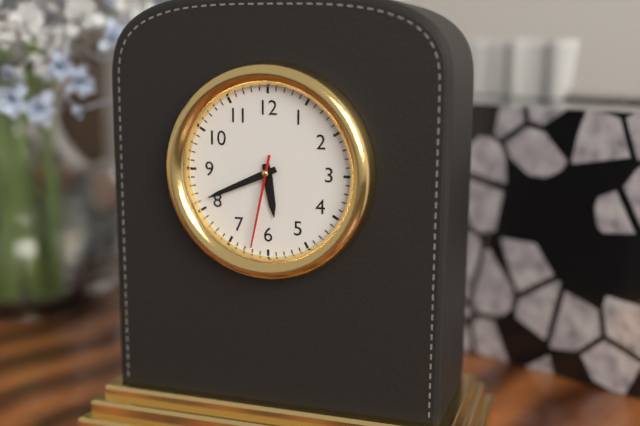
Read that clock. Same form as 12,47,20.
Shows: 5,41,32
